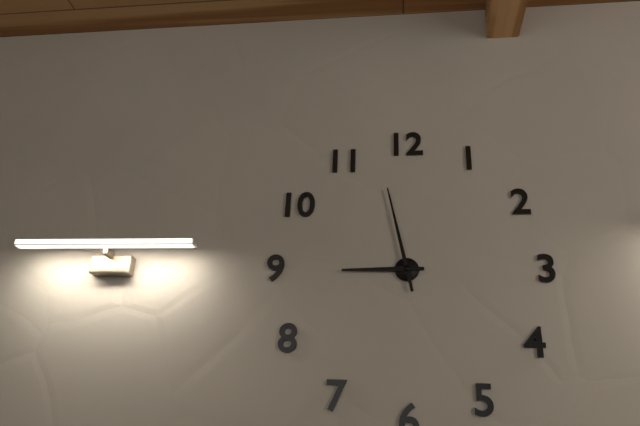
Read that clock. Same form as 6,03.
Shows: 8,58
